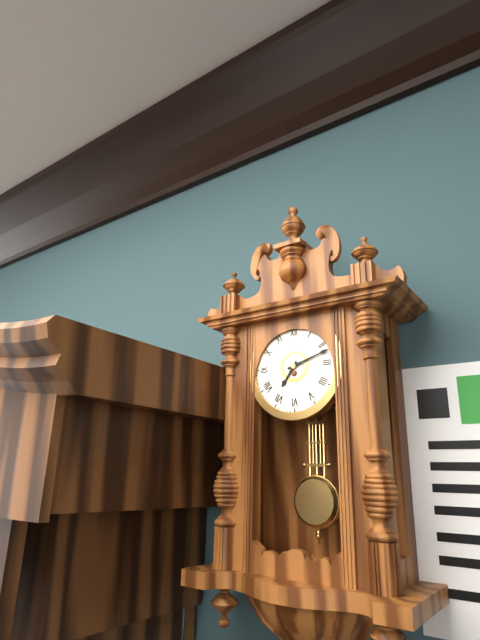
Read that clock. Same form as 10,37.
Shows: 7,12
